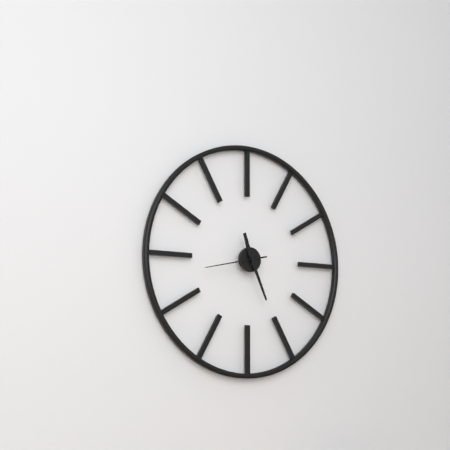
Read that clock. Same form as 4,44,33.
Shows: 11,26,43
